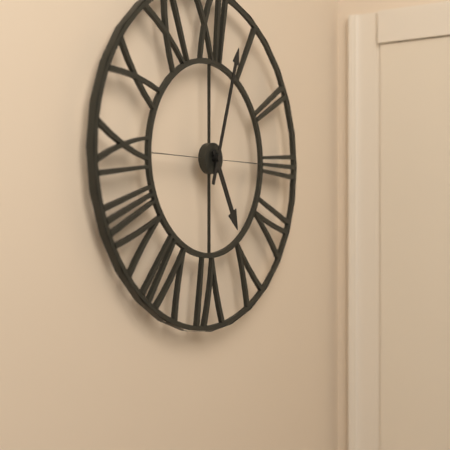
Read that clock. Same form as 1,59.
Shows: 5,03
